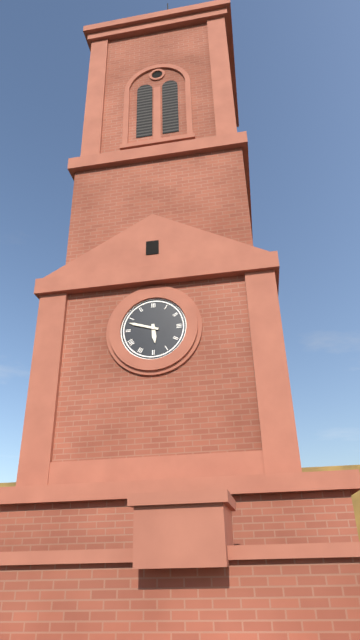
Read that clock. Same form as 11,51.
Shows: 5,48
